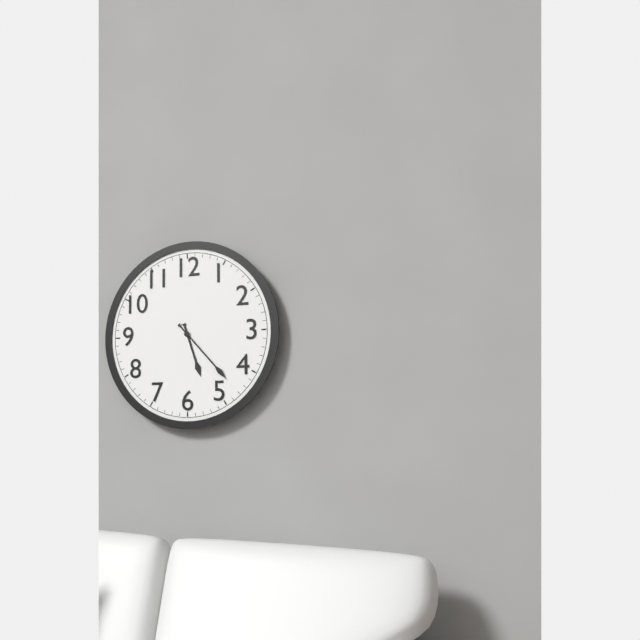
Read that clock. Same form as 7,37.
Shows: 5,23
